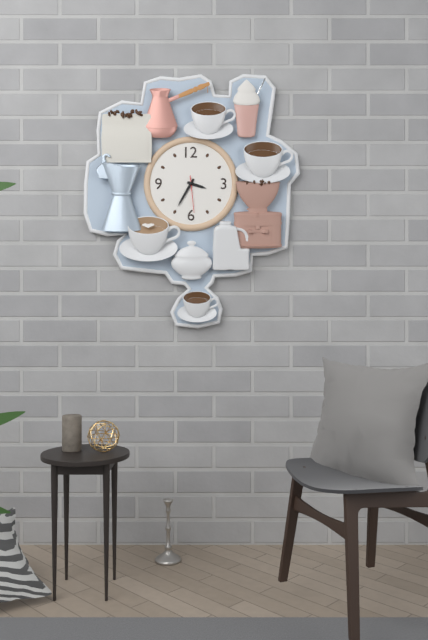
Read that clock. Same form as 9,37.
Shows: 3,35
